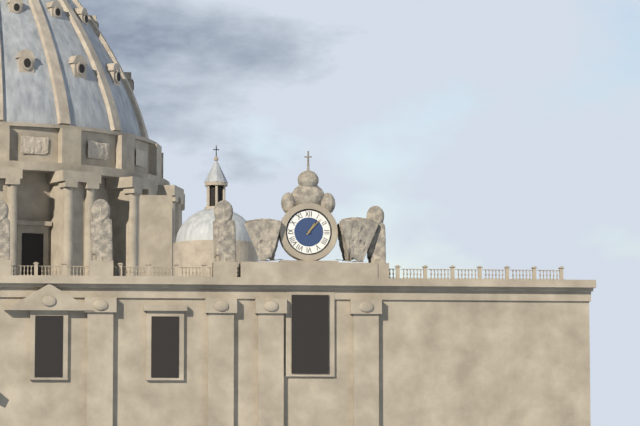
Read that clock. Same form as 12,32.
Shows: 1,07
